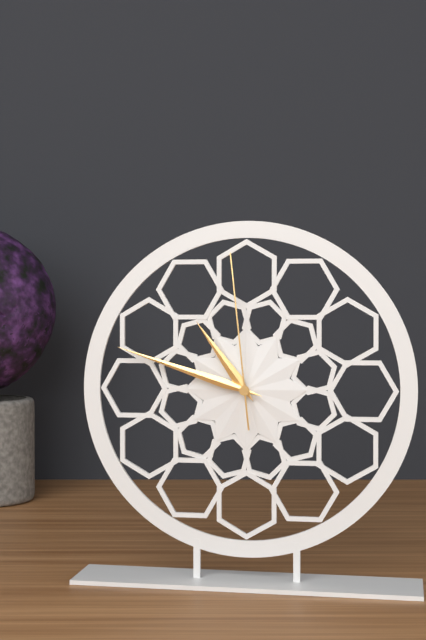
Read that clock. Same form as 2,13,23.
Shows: 10,48,59
